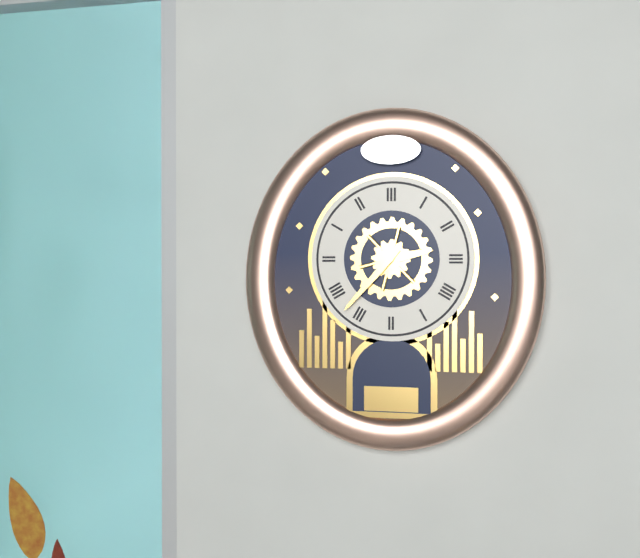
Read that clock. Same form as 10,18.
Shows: 2,37
